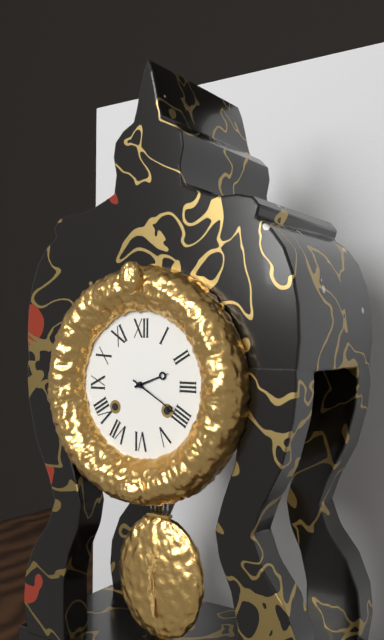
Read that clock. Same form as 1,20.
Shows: 2,20
